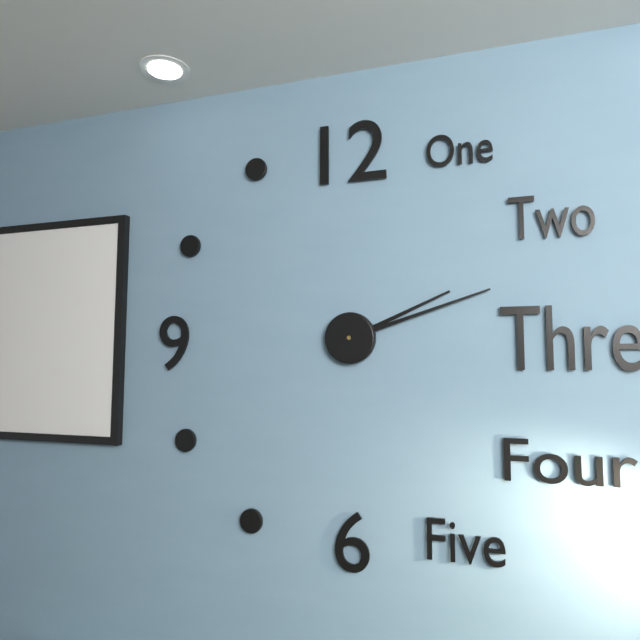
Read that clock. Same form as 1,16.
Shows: 2,12
